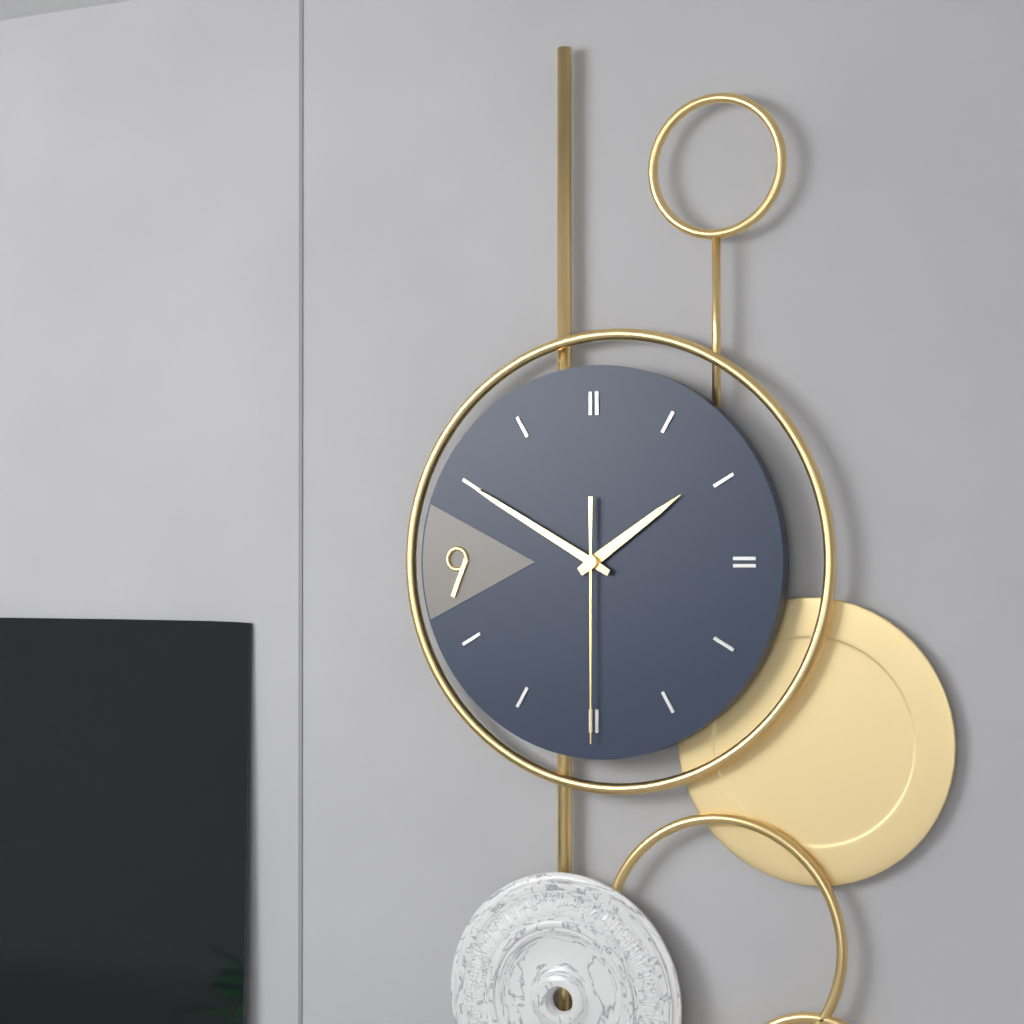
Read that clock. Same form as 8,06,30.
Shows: 1,50,30
